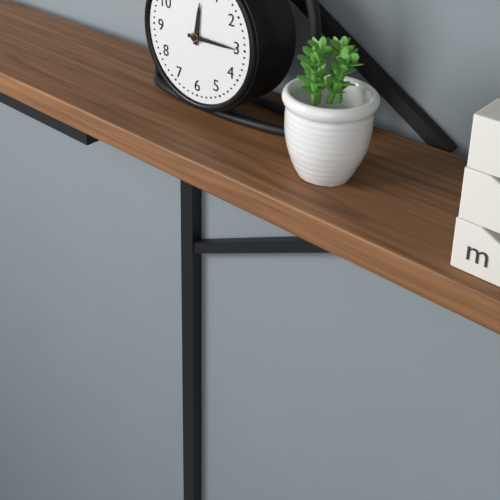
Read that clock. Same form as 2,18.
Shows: 12,15
